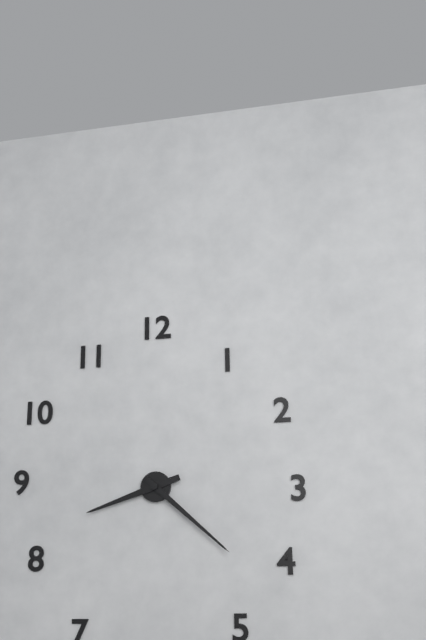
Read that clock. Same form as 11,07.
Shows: 8,22
